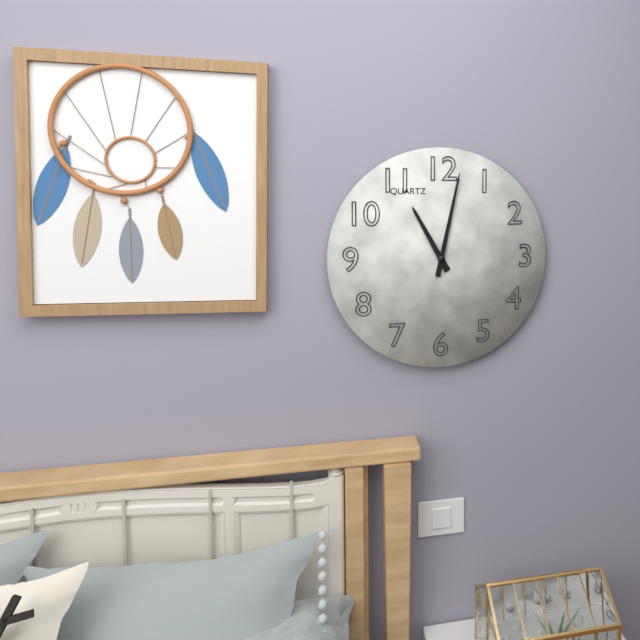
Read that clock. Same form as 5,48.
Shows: 11,02
